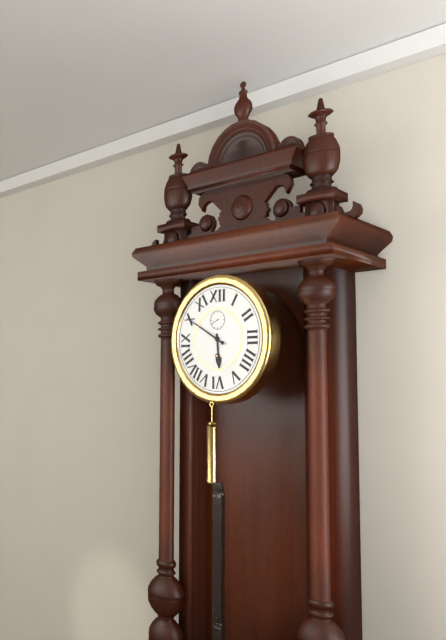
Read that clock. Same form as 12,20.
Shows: 5,50
